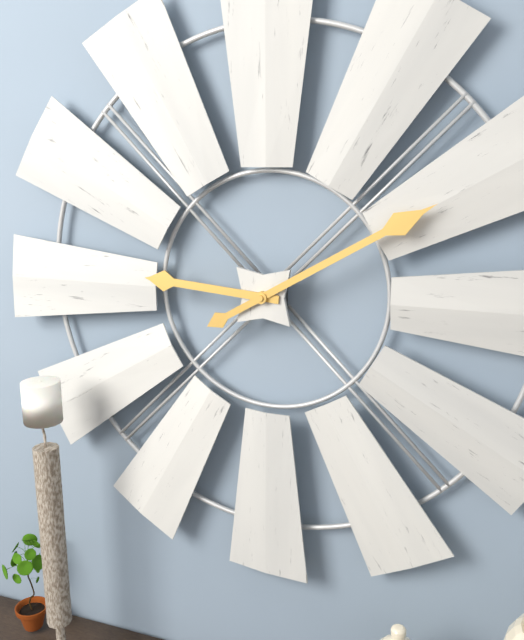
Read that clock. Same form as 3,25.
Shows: 9,10
